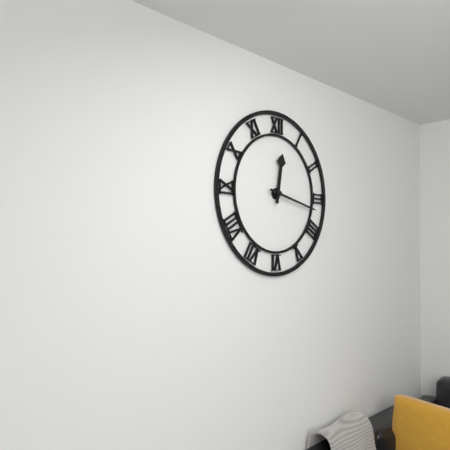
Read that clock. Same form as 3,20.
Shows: 12,17
